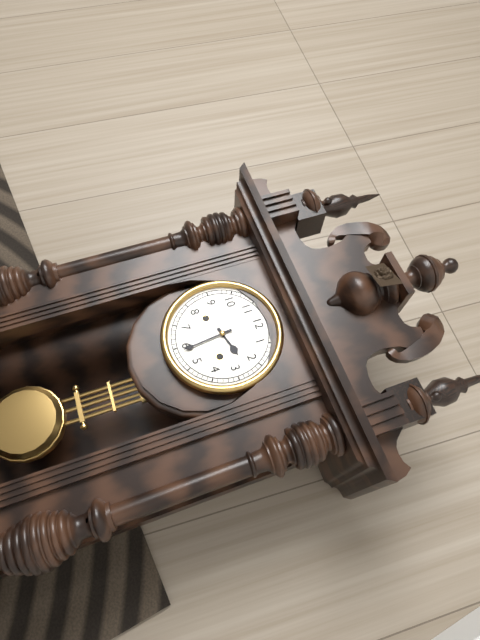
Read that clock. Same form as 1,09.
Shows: 2,29
